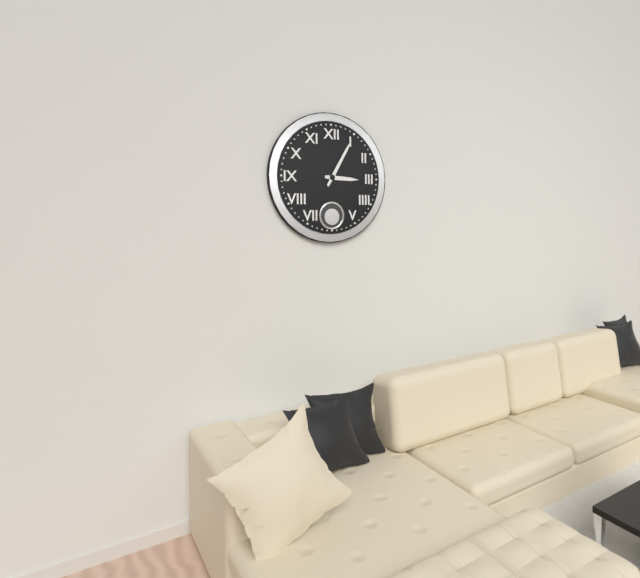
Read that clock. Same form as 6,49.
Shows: 3,05
